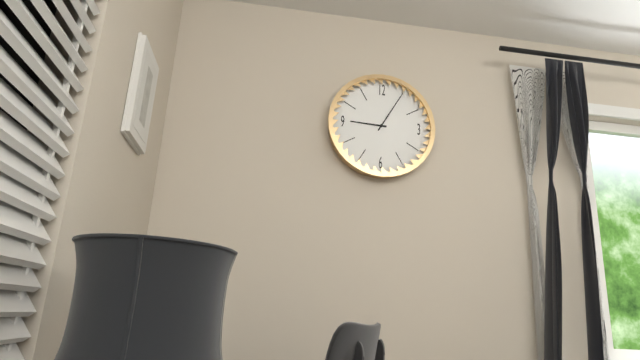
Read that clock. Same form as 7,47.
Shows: 9,05
